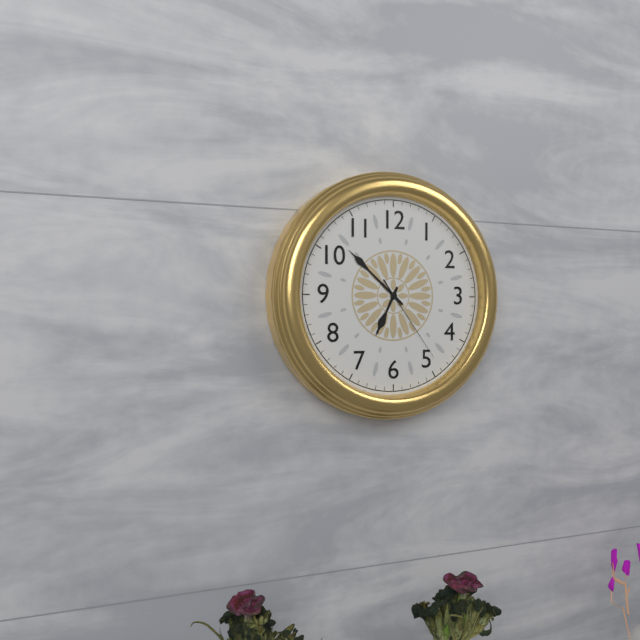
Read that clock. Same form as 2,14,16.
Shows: 6,52,24
